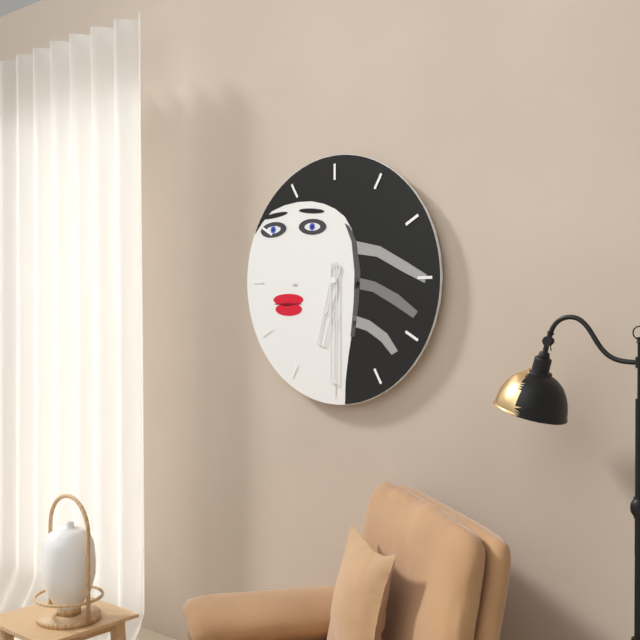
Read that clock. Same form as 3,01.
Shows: 6,30
